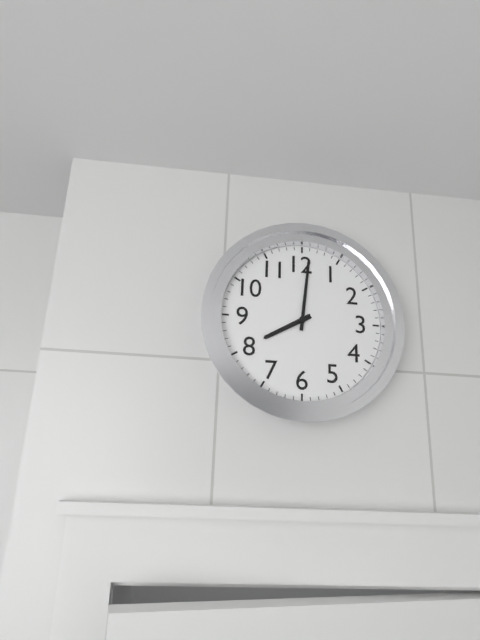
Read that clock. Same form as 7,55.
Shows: 8,01
